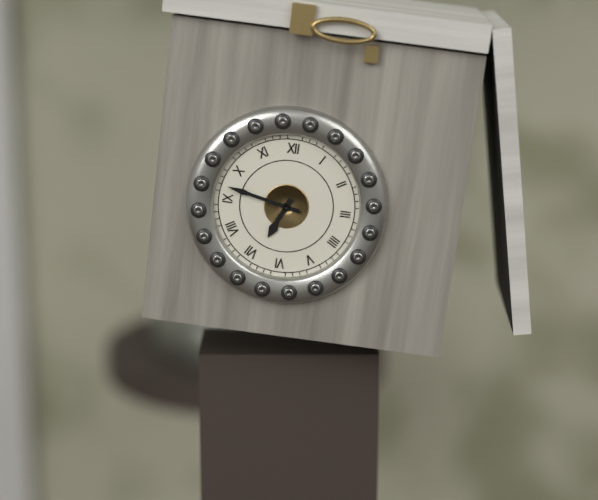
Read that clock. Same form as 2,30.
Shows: 6,47
